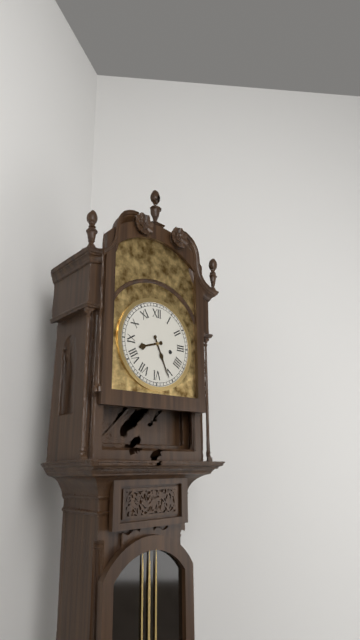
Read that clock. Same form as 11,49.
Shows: 8,26
